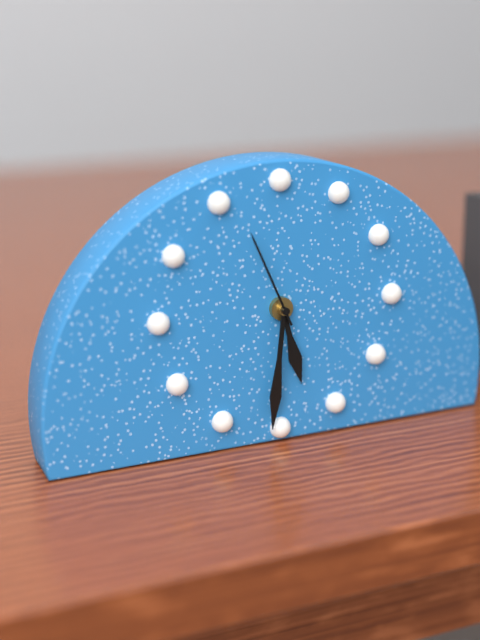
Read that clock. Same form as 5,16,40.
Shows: 5,31,56
